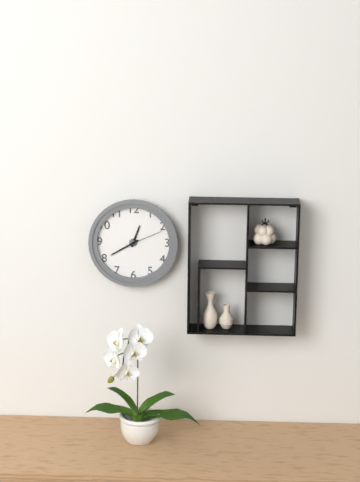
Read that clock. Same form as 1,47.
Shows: 12,40
